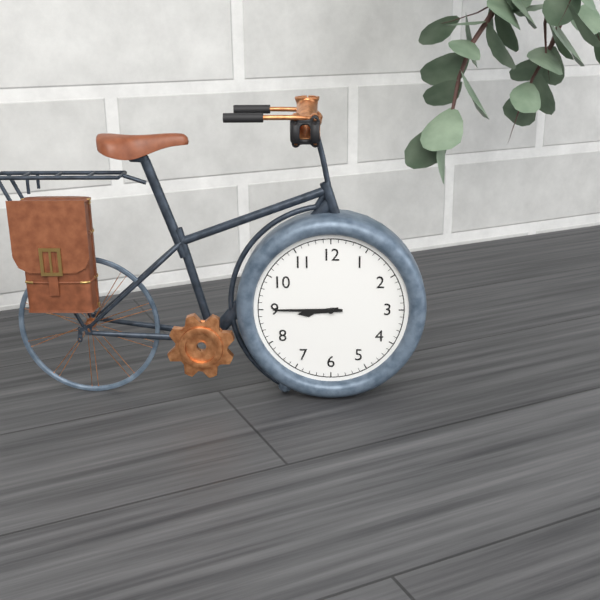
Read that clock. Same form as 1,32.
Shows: 8,45
